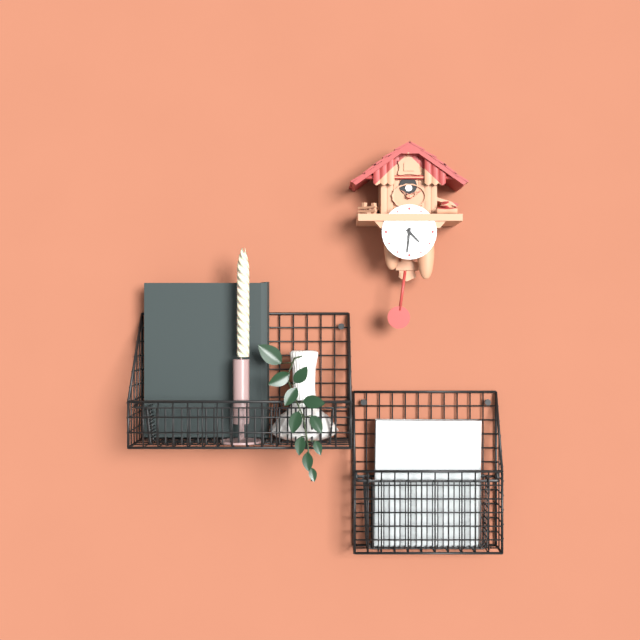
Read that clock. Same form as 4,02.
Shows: 4,31
